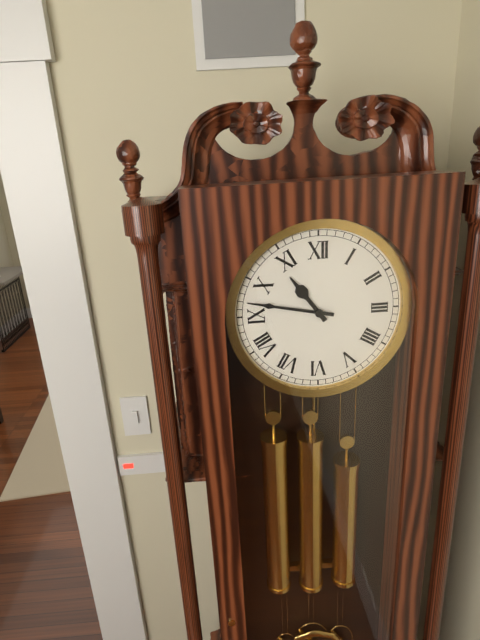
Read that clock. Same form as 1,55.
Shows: 10,47
